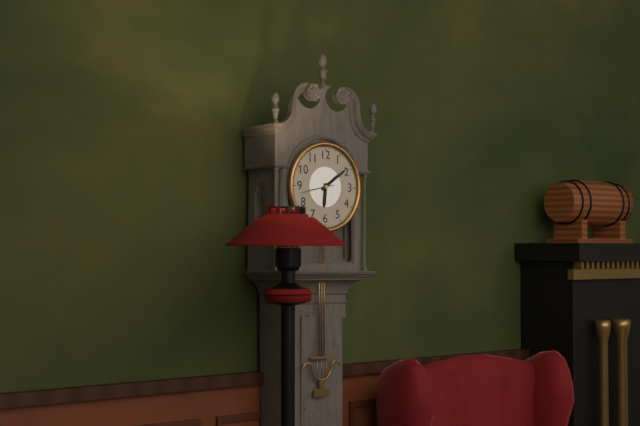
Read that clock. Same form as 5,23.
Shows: 6,09
